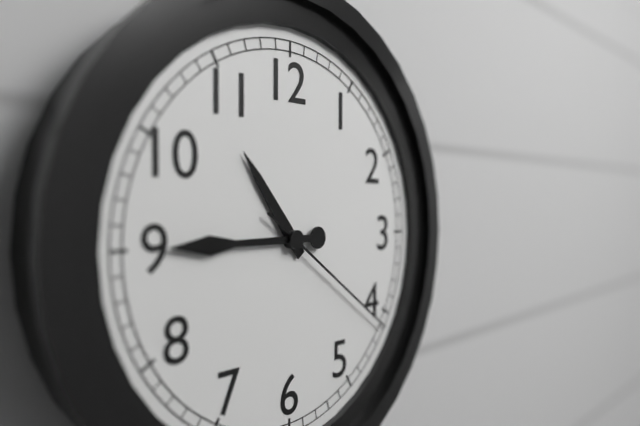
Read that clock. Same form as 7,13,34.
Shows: 10,45,21
